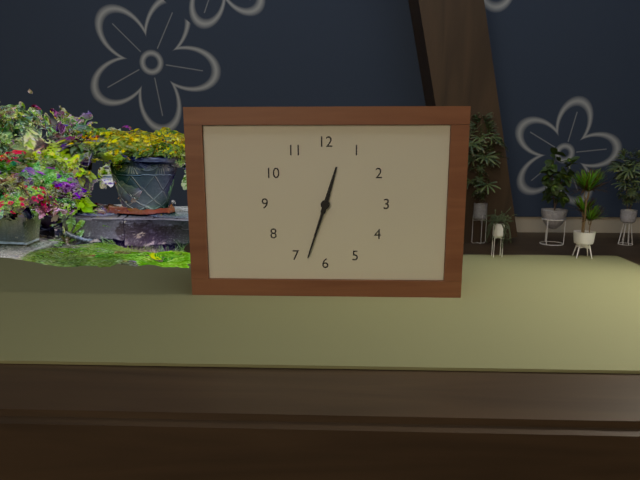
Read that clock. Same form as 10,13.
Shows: 12,33
